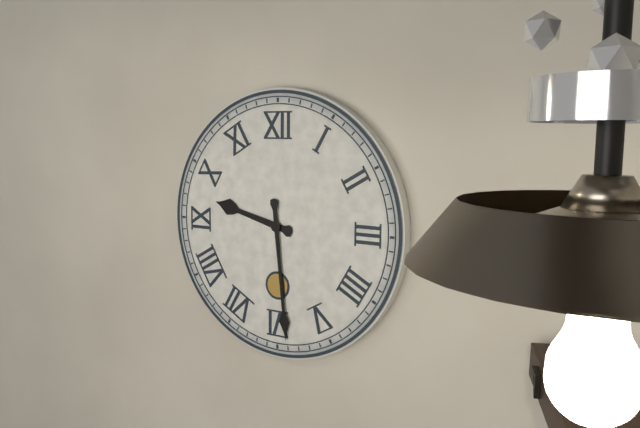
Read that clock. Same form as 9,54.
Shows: 9,29
